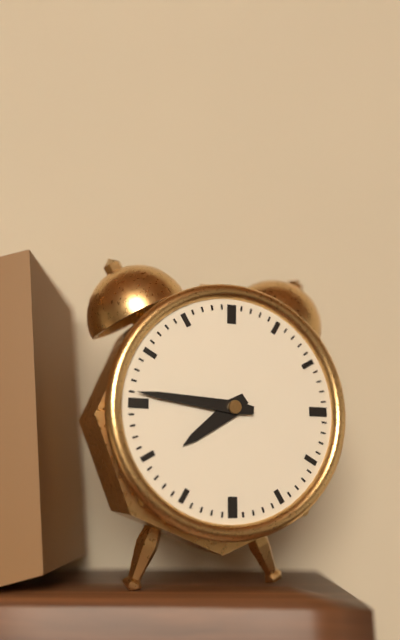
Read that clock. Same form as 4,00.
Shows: 7,46
